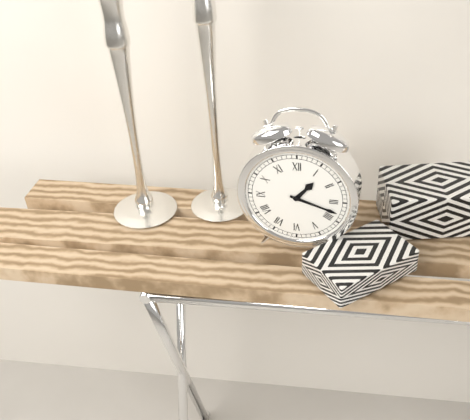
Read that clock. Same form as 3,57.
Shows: 1,18
